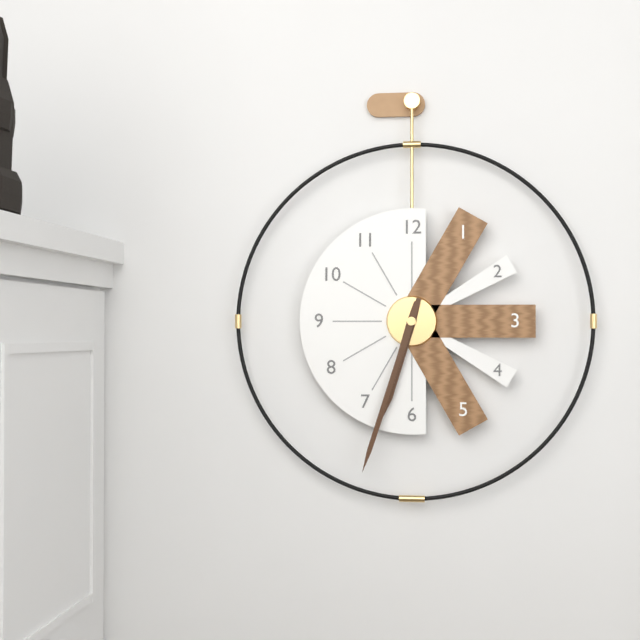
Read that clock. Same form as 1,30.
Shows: 6,33
